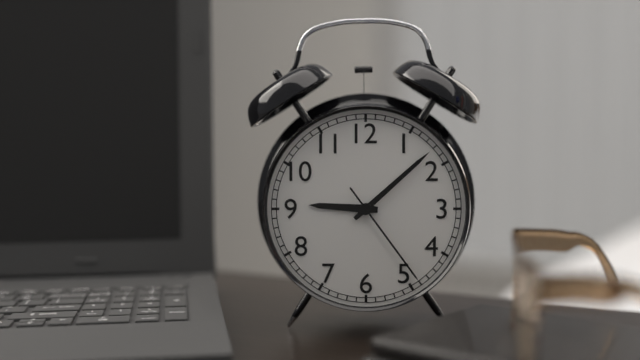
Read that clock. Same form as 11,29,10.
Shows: 9,08,24
